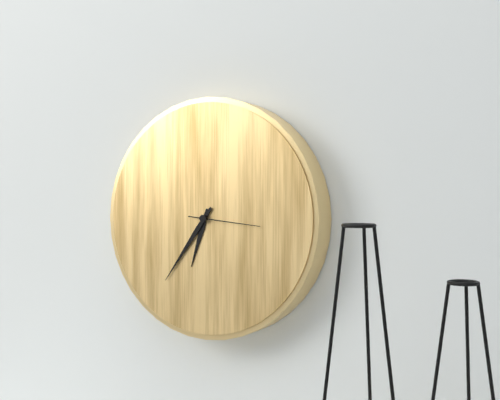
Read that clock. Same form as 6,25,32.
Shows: 6,36,16
